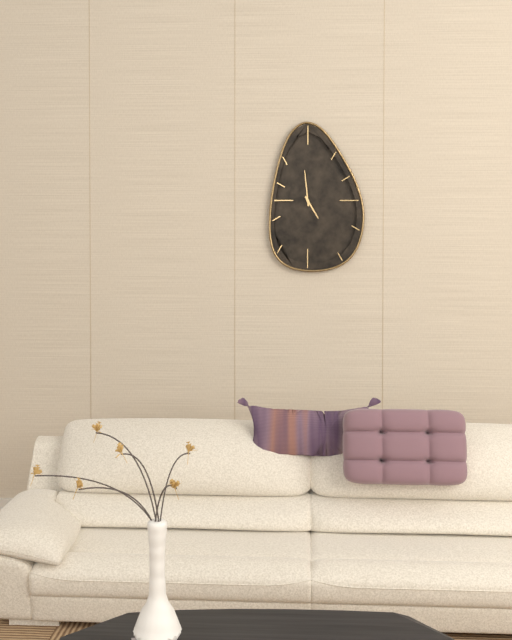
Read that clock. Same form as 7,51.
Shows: 4,59
